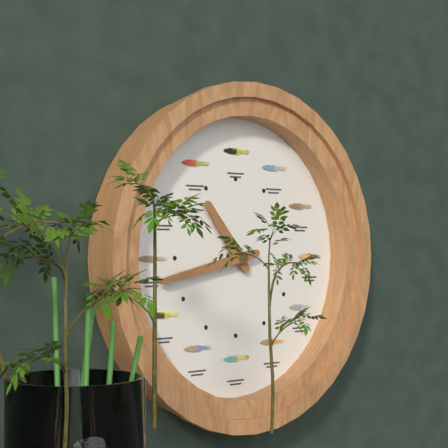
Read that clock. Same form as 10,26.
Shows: 10,43
